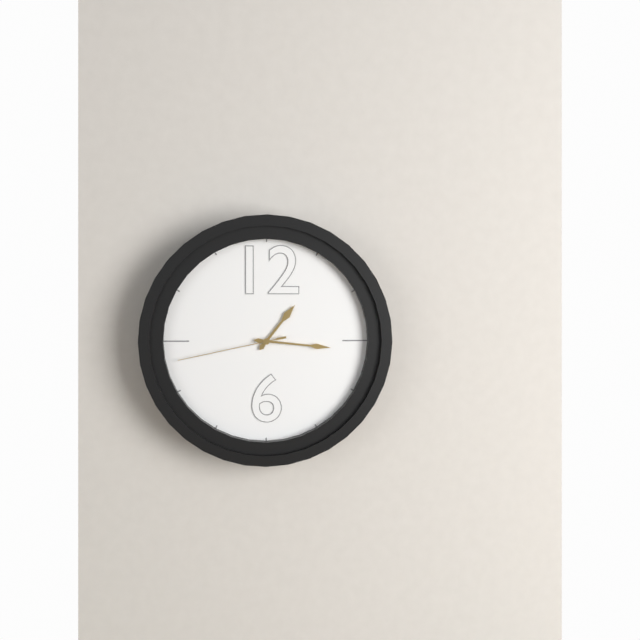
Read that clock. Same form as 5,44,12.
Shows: 1,16,43
